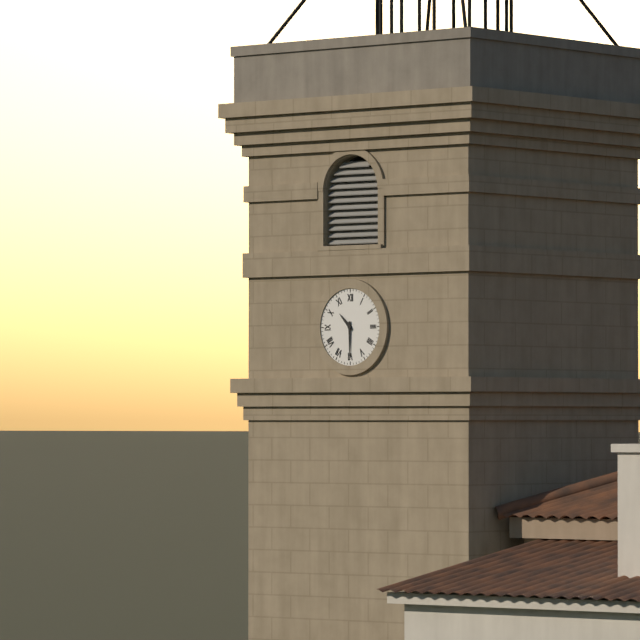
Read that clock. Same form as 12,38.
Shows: 10,30
